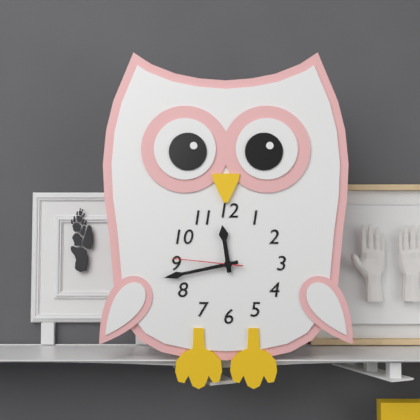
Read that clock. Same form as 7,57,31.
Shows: 11,43,46
